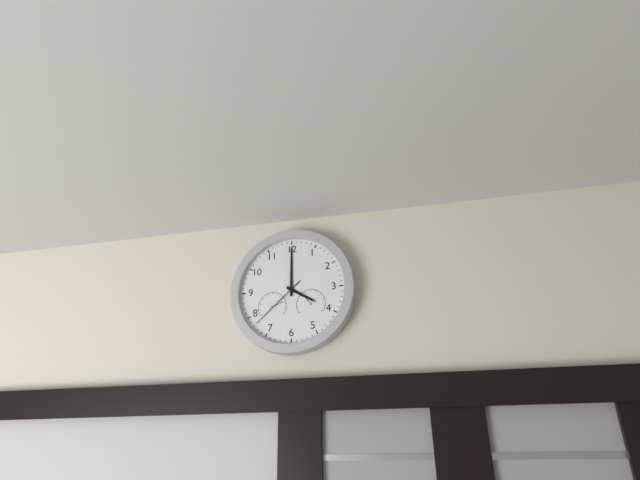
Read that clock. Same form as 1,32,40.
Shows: 4,00,38
